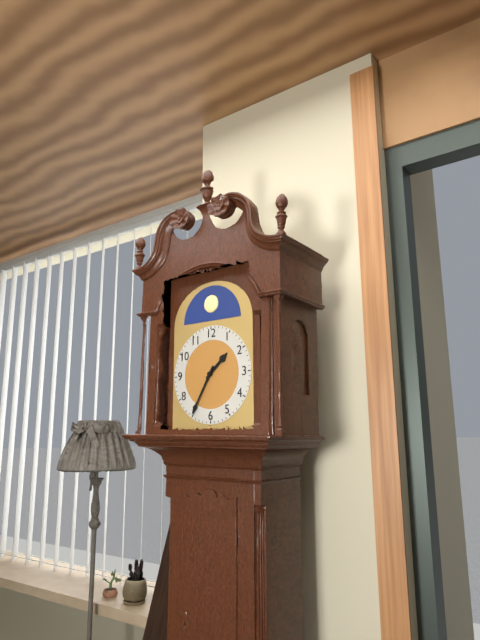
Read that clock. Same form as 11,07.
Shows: 1,35
